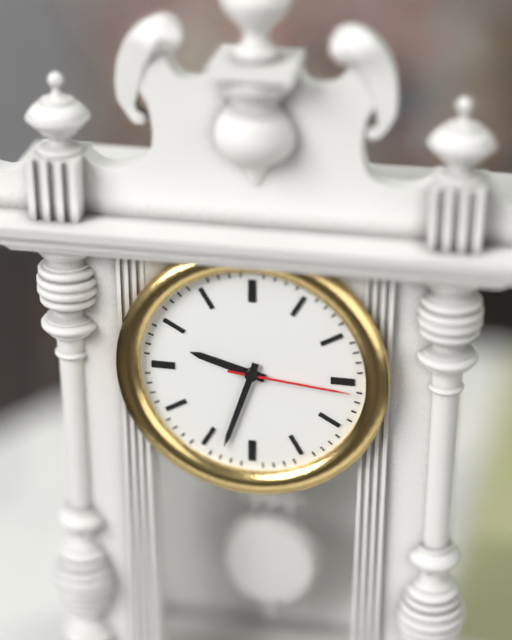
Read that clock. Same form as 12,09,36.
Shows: 9,33,16
